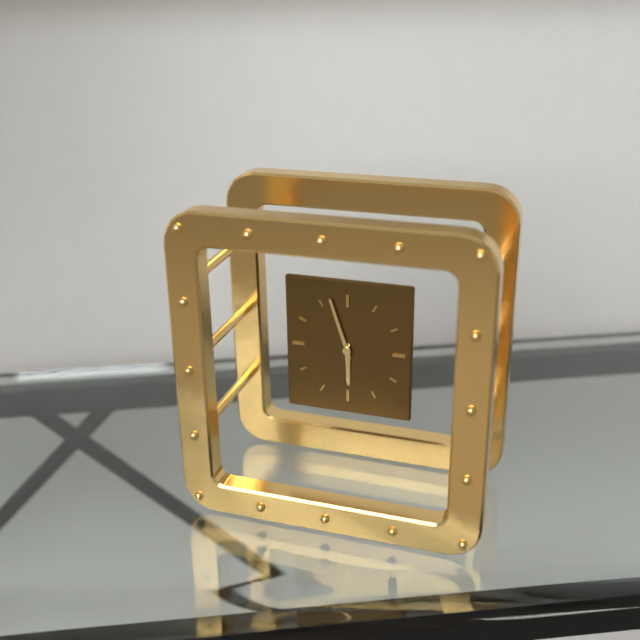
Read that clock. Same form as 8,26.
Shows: 5,57
